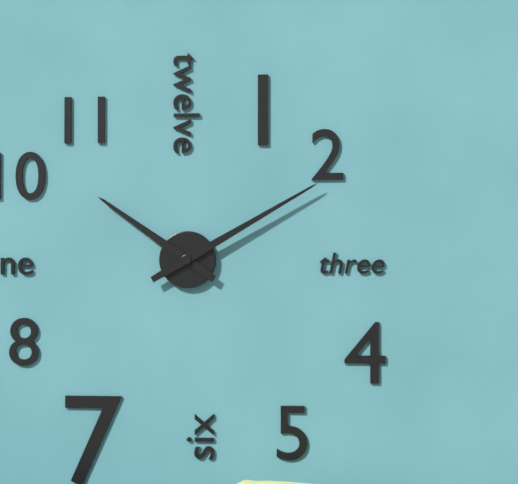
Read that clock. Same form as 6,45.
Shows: 10,10
